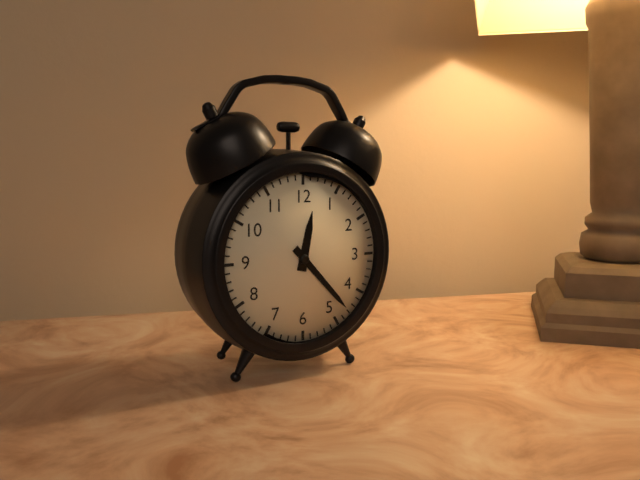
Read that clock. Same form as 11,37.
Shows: 12,23
